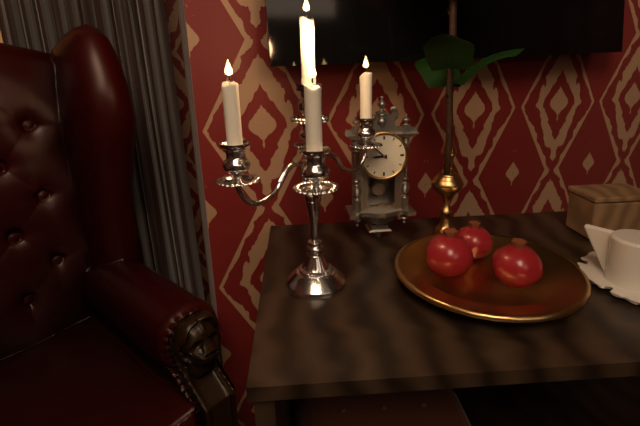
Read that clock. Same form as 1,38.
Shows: 8,52
